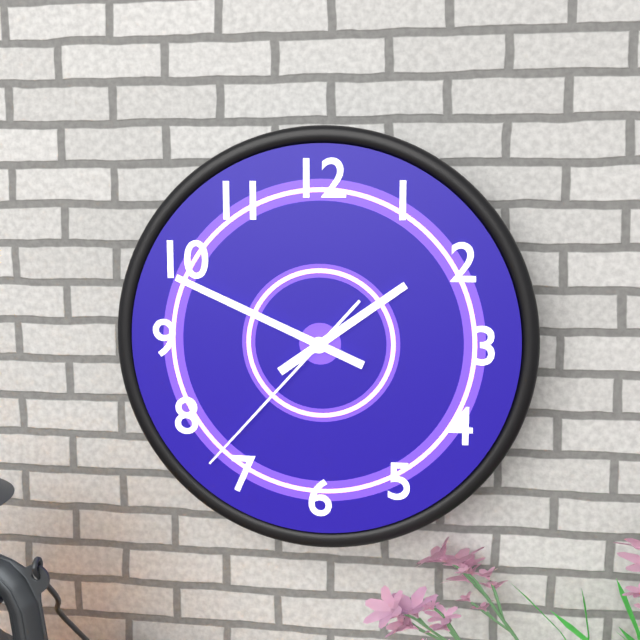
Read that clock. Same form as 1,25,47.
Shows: 1,49,37
